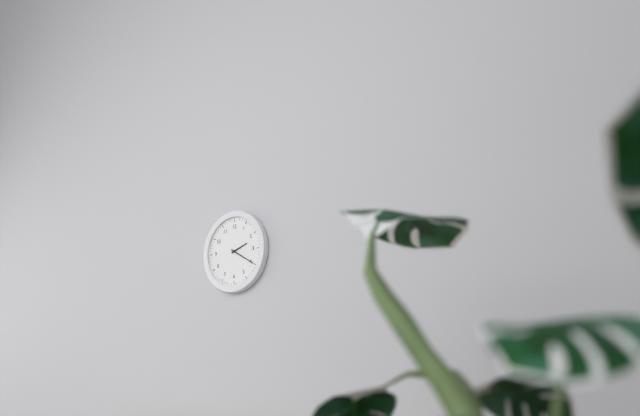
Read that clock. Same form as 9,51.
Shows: 2,20
